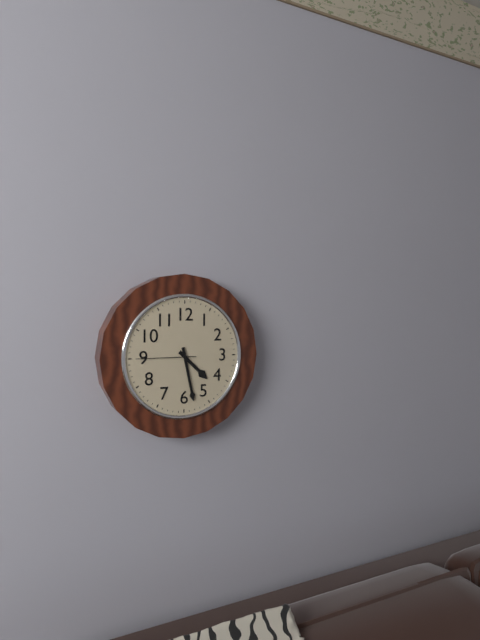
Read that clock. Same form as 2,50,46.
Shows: 4,28,45
